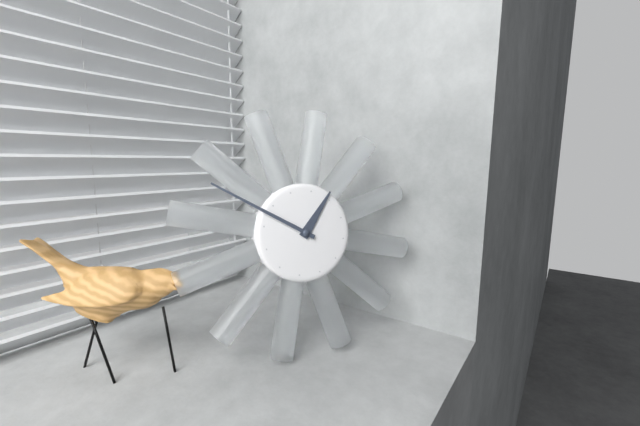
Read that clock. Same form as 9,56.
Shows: 12,48
